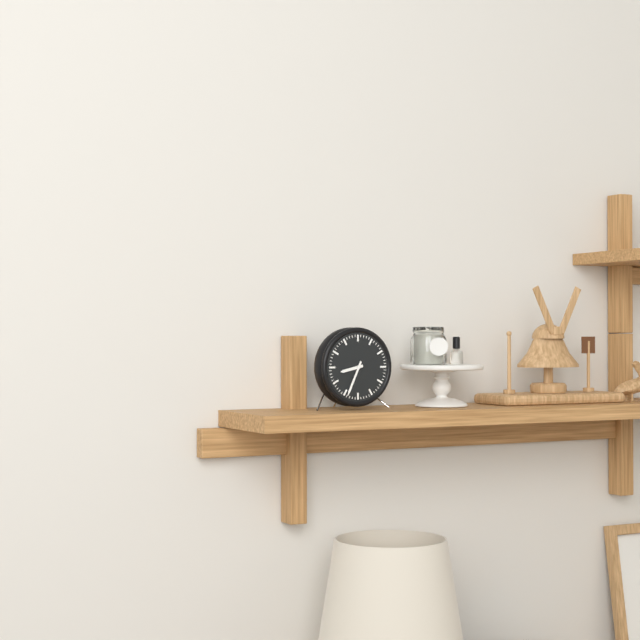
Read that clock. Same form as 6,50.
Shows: 8,34
